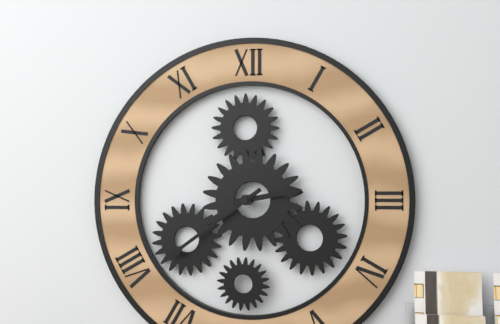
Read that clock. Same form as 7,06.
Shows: 2,39
